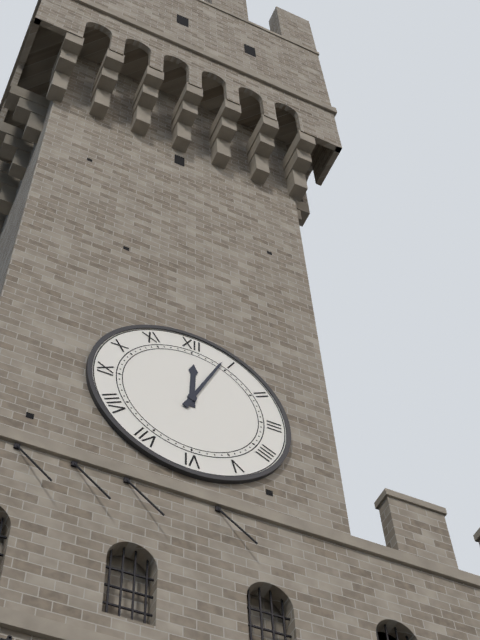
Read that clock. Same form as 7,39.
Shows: 12,04
